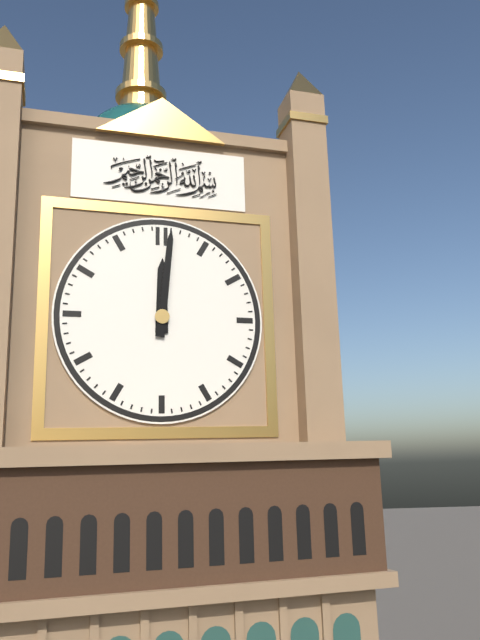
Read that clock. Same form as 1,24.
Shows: 12,01
